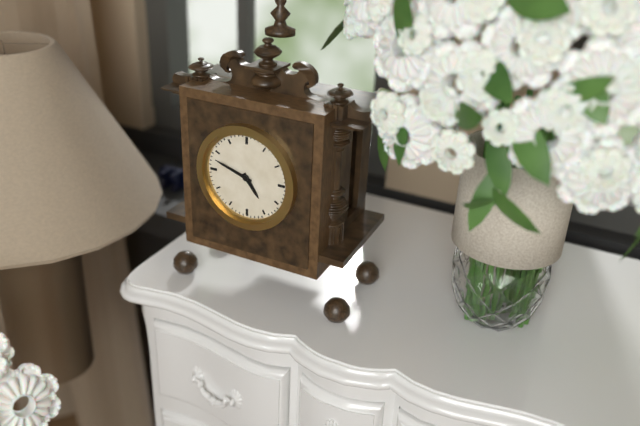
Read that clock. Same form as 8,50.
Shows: 4,48
